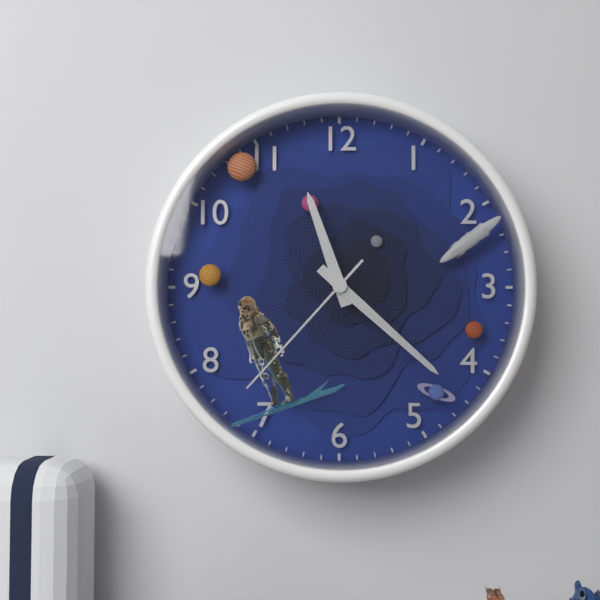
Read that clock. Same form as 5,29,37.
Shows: 11,22,37
